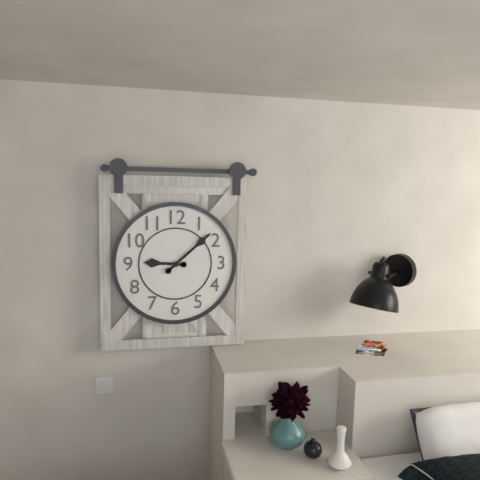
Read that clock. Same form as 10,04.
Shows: 9,08
